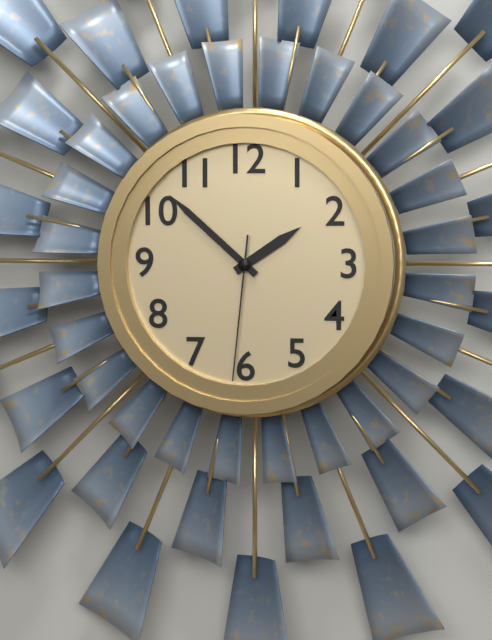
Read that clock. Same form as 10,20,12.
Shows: 1,52,31
